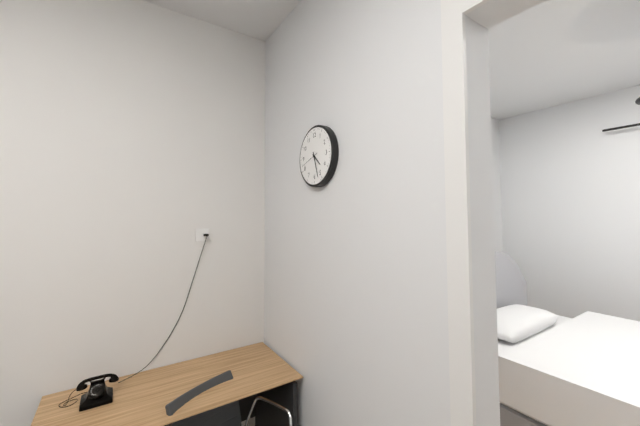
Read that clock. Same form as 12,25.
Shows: 4,27
